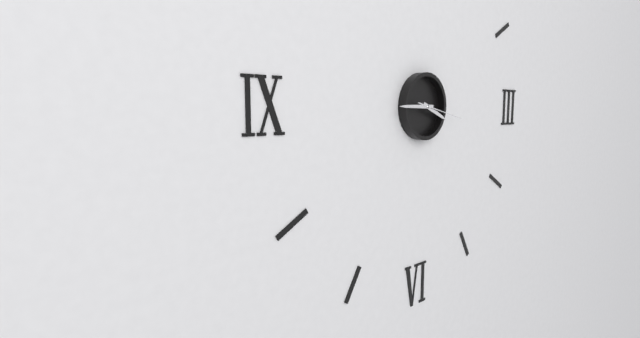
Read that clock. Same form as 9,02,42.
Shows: 3,45,17
